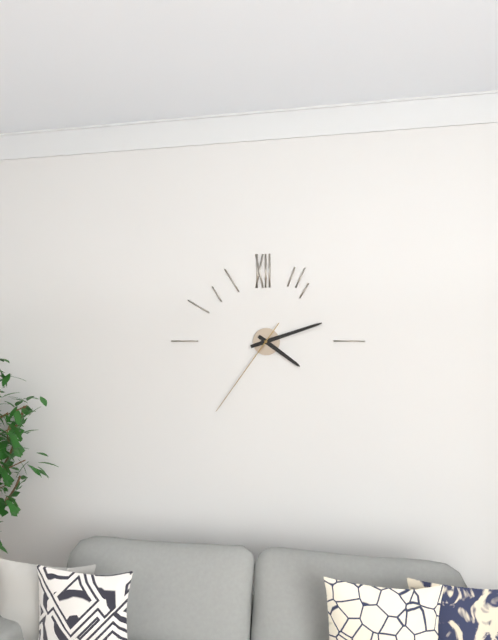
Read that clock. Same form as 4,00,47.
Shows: 4,12,36
